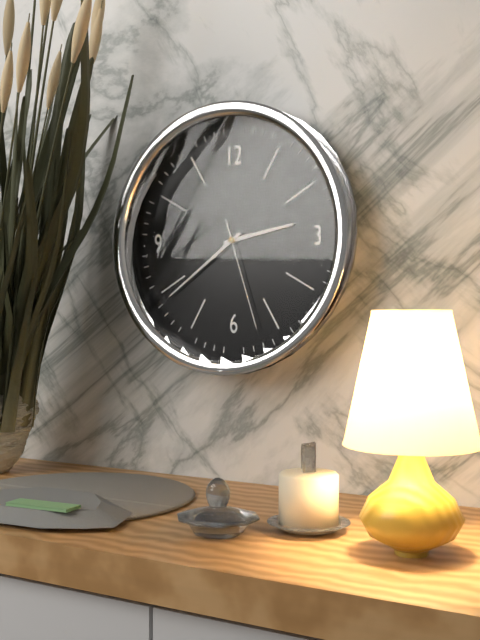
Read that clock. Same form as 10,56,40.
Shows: 2,39,27
